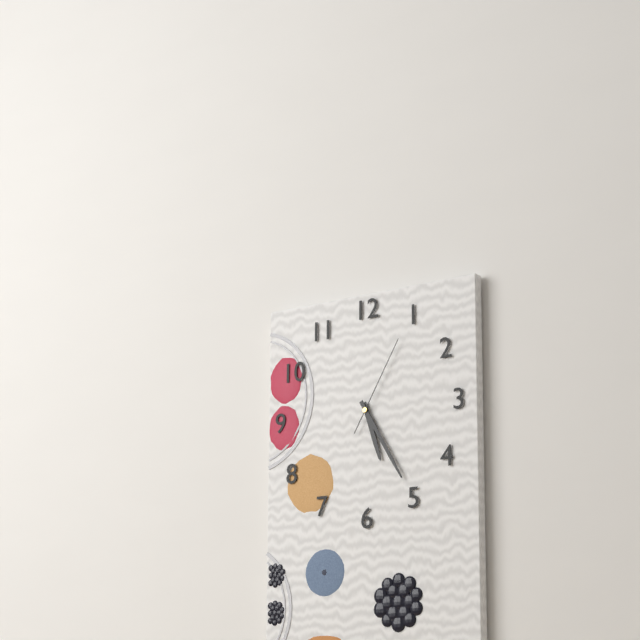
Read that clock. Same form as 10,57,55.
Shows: 5,25,05
